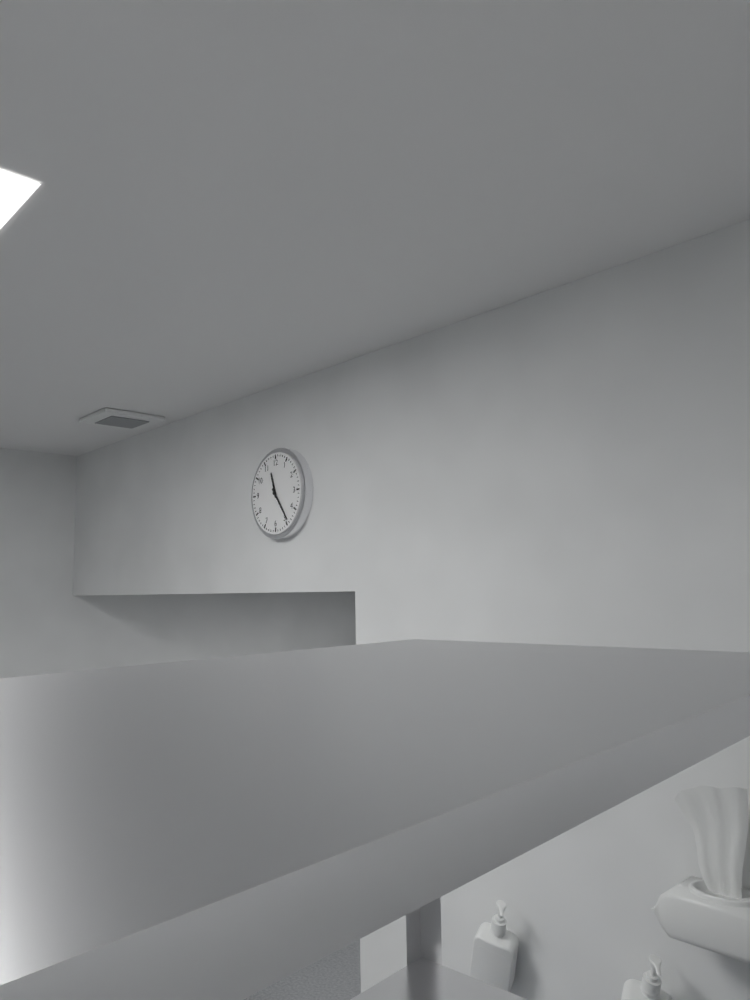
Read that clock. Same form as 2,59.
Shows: 11,24
